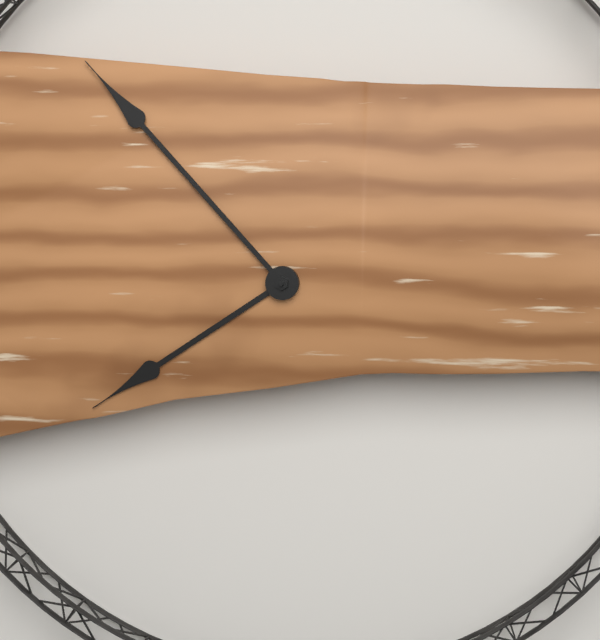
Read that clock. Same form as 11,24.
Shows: 7,53
